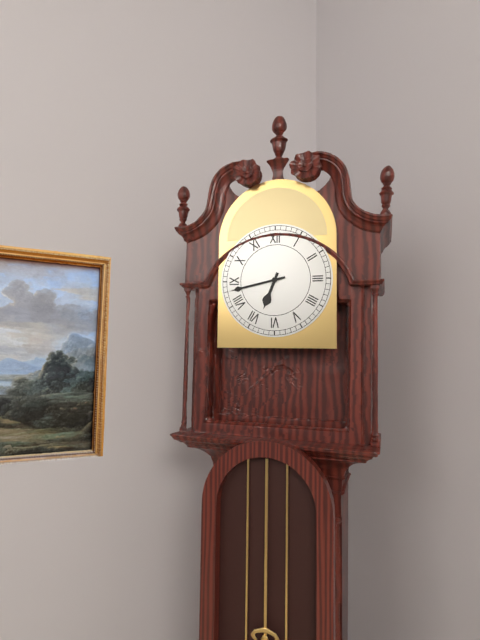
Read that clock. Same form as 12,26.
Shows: 6,43
